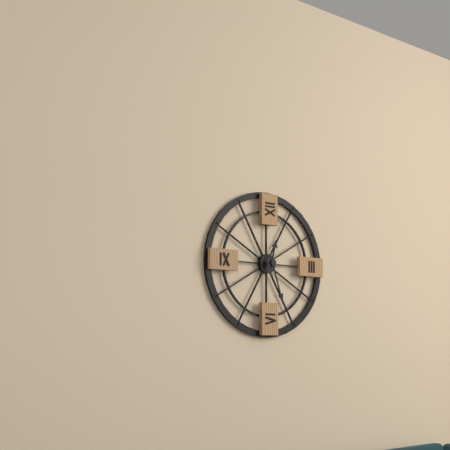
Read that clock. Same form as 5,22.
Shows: 12,27
